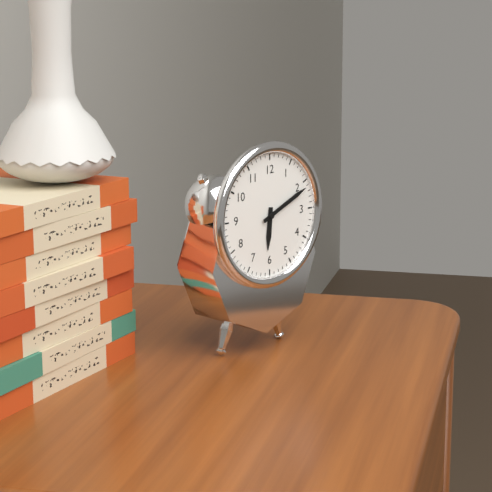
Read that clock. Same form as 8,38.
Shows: 6,11
